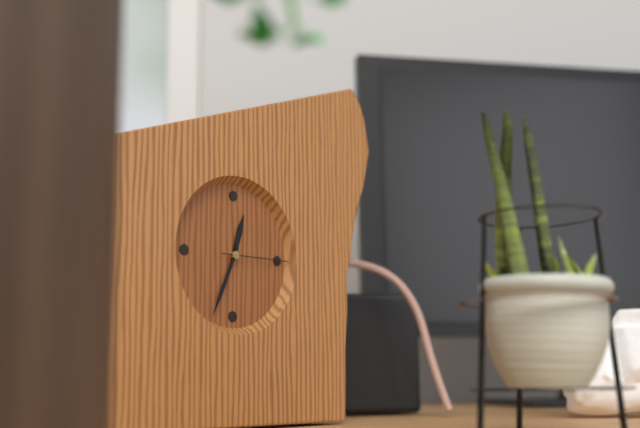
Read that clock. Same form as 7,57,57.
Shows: 12,34,15
